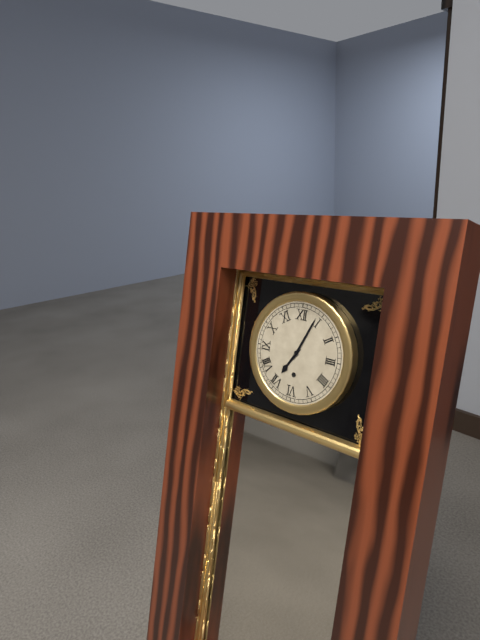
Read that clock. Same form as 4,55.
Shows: 7,04
